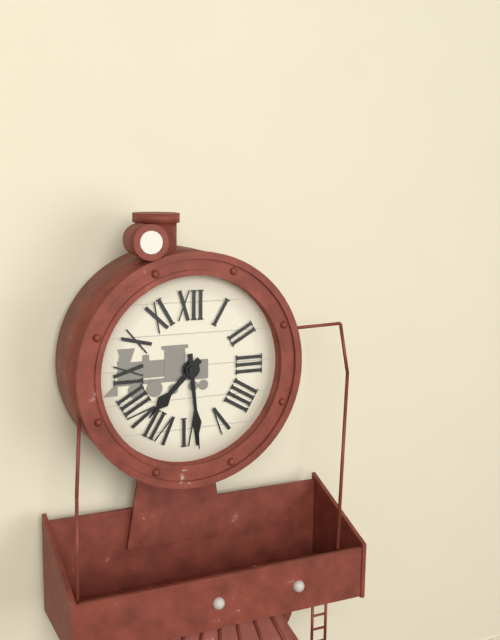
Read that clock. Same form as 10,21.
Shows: 7,29
